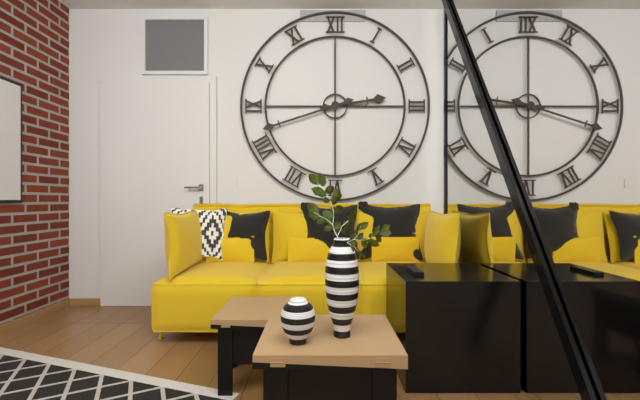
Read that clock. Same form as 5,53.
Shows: 2,42
